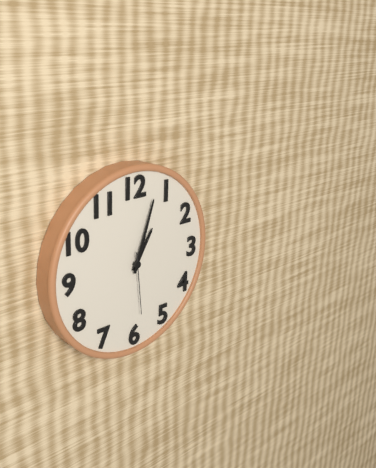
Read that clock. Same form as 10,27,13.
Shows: 1,03,29
